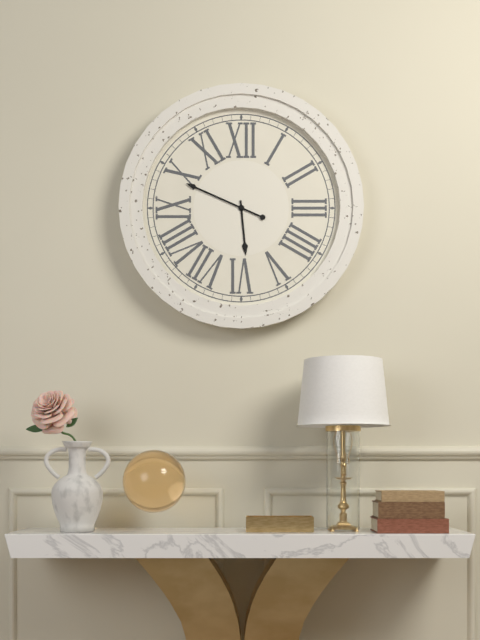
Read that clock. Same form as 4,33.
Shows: 5,49
